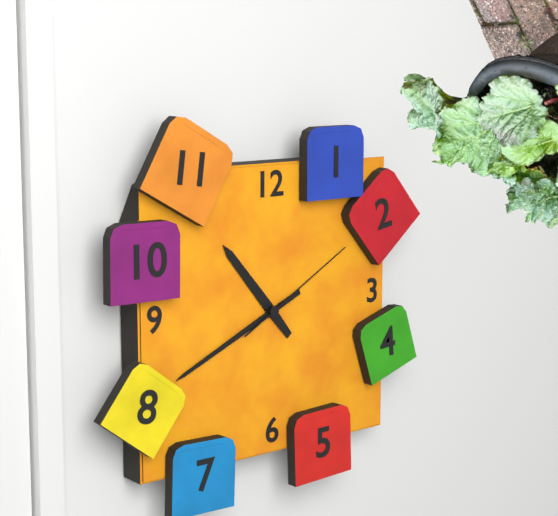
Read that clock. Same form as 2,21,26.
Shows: 10,41,10
